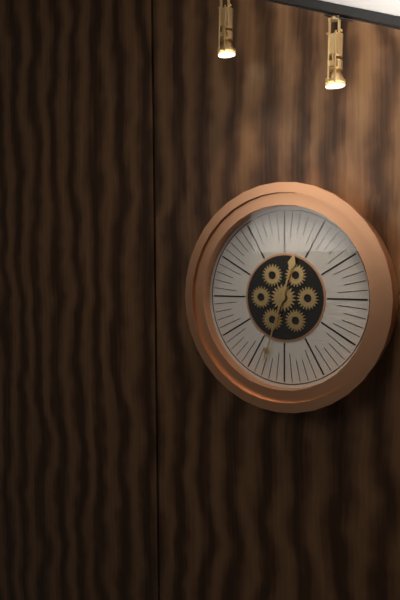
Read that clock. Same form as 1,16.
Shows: 12,33
